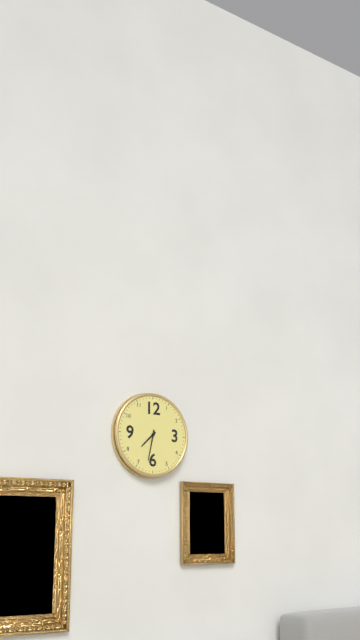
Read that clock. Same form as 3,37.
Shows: 7,32
